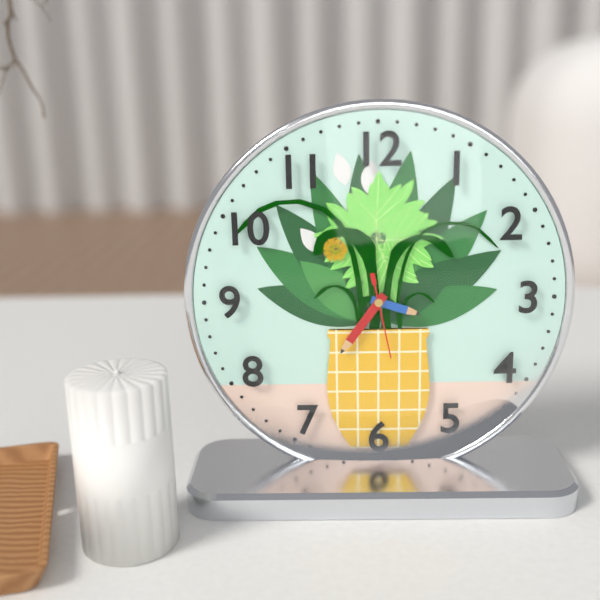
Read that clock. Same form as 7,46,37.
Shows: 3,36,28
